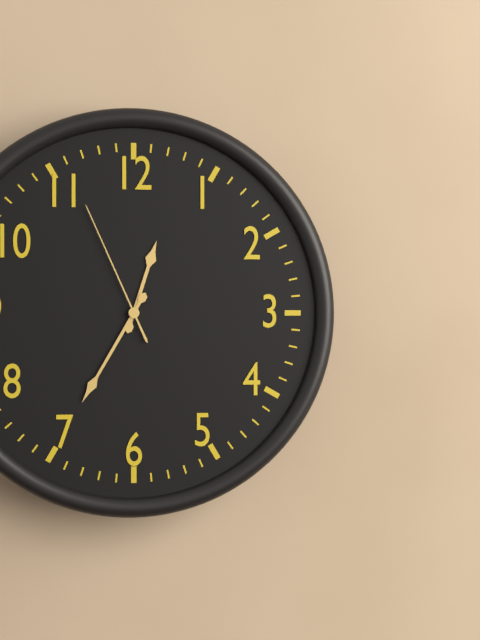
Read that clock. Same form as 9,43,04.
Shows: 12,35,56
